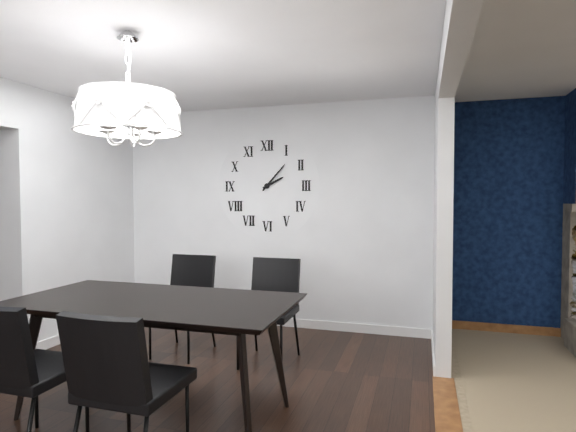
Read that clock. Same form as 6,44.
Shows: 2,07
